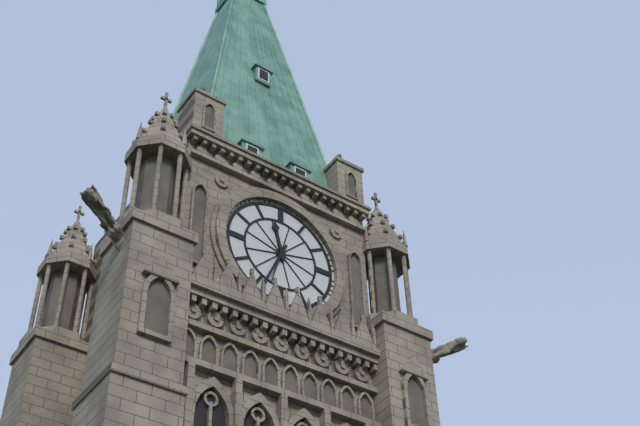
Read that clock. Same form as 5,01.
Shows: 11,34
